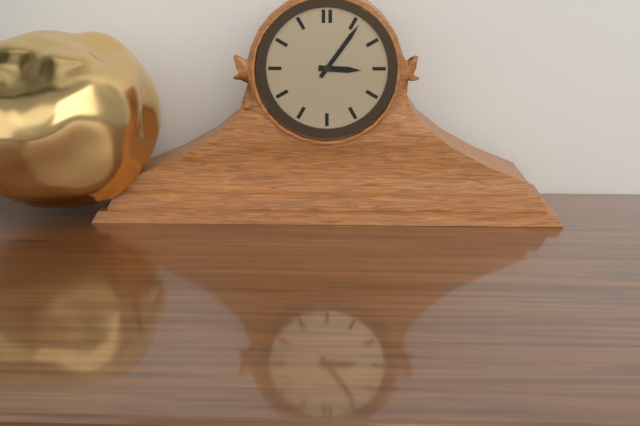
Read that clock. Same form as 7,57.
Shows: 3,06
